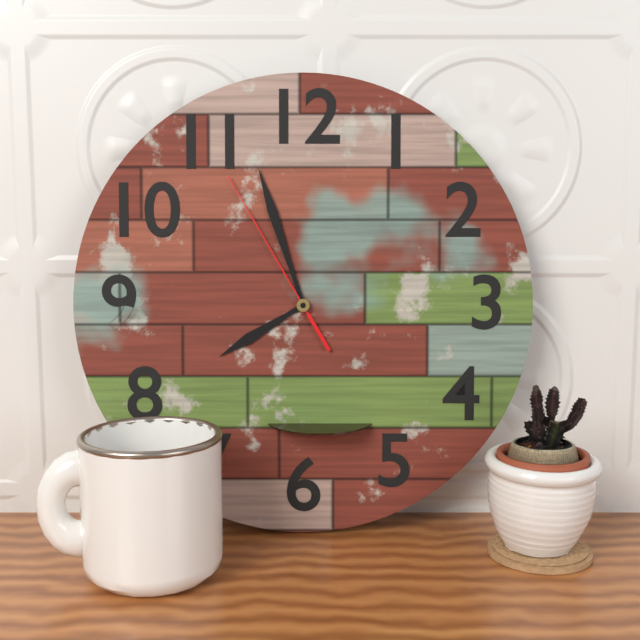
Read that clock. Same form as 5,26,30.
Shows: 7,57,55
